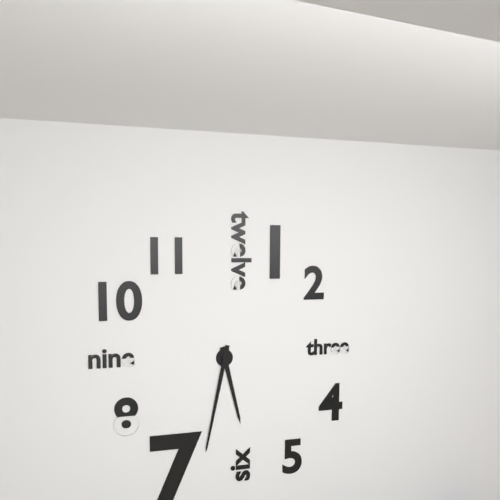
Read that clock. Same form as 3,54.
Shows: 5,32
